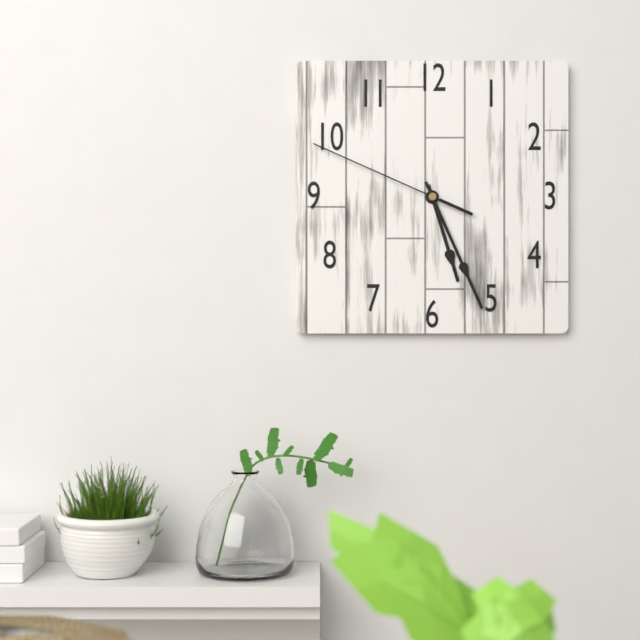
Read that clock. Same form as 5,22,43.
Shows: 5,26,49
